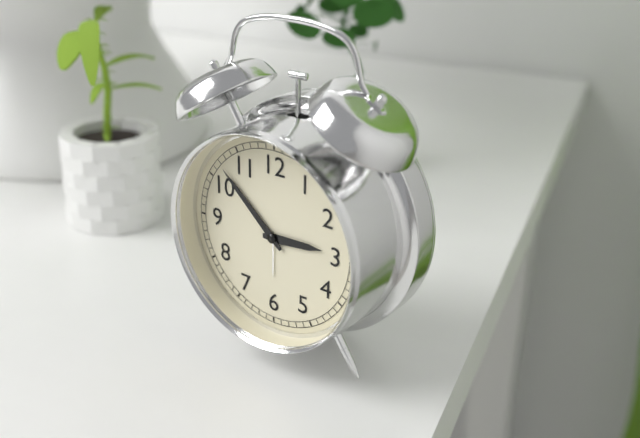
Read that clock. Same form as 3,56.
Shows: 2,52
